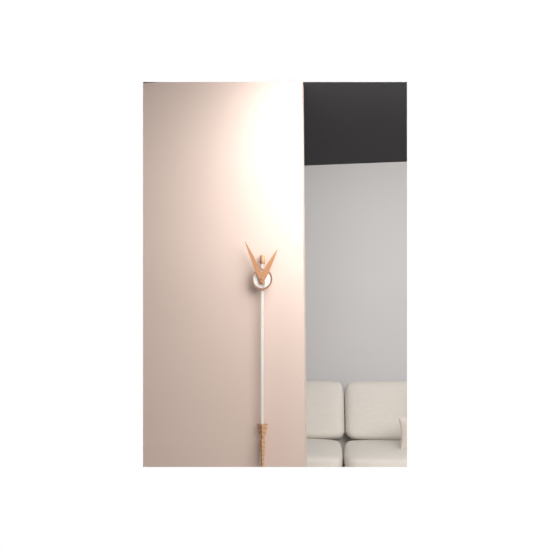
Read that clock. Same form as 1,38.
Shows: 12,56
